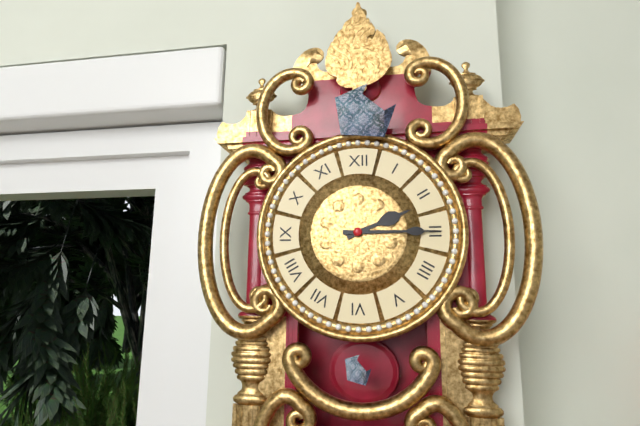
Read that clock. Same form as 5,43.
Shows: 2,15
